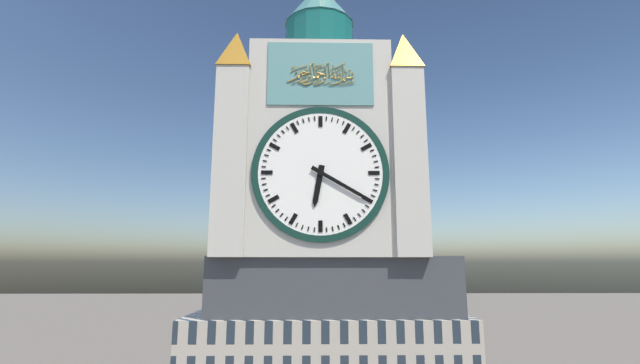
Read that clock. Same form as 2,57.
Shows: 6,20
